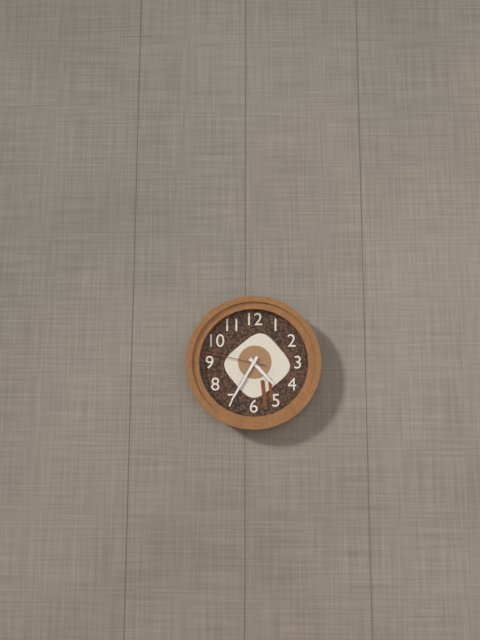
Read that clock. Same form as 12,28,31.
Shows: 4,35,47
